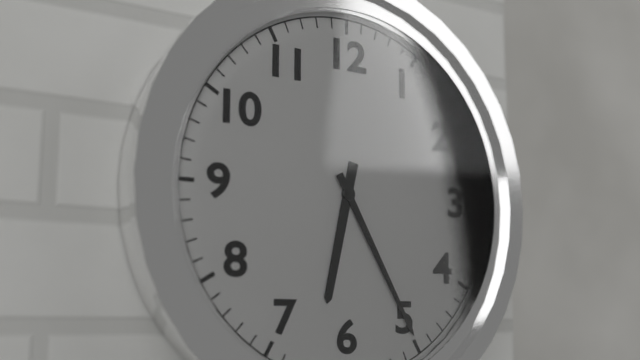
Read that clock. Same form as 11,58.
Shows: 6,25
